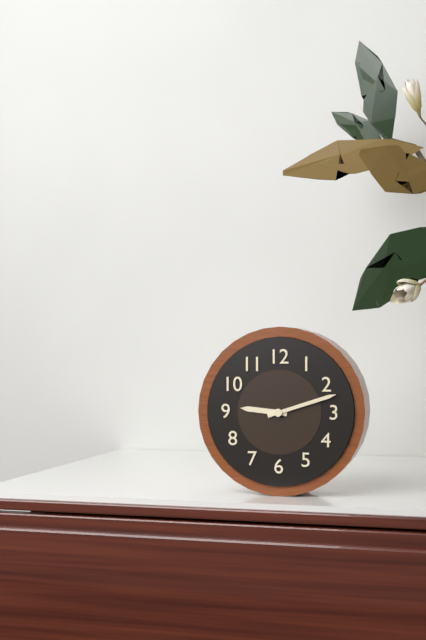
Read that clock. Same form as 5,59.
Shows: 9,12
